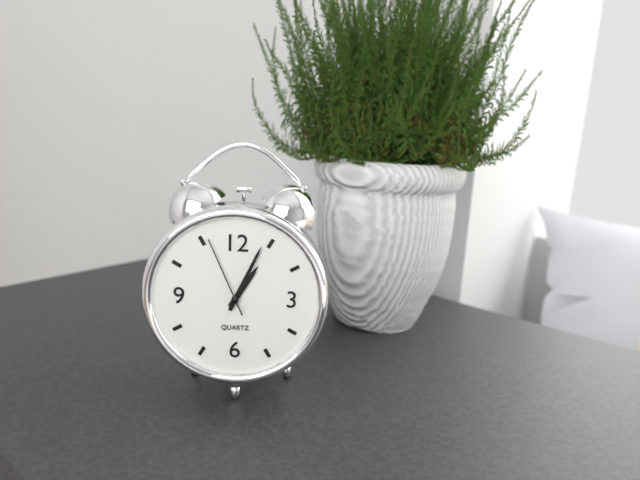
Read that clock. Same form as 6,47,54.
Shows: 1,04,56
